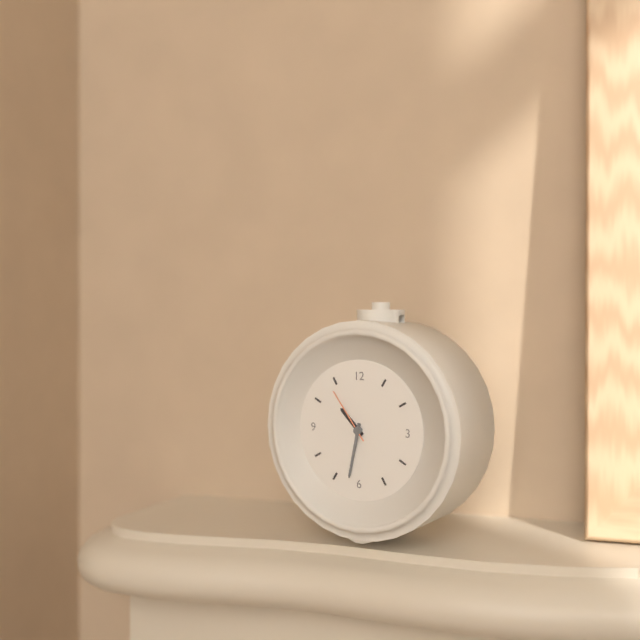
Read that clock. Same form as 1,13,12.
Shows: 10,32,54
